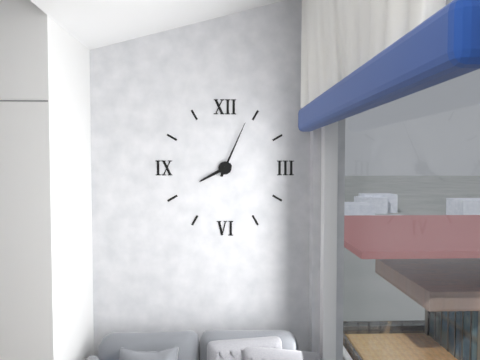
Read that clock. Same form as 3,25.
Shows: 8,04
